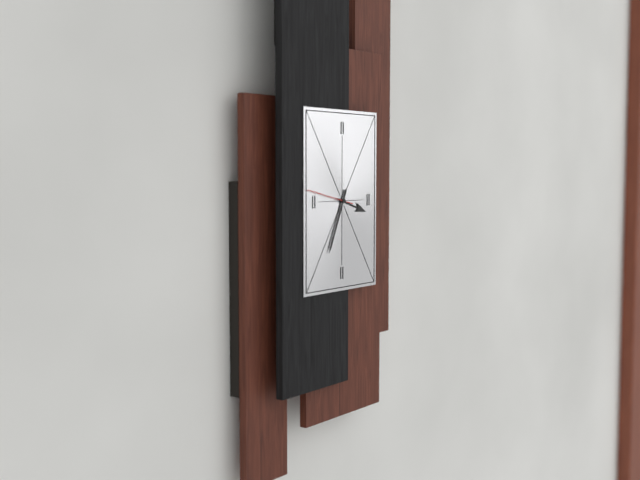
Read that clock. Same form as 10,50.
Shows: 3,34
